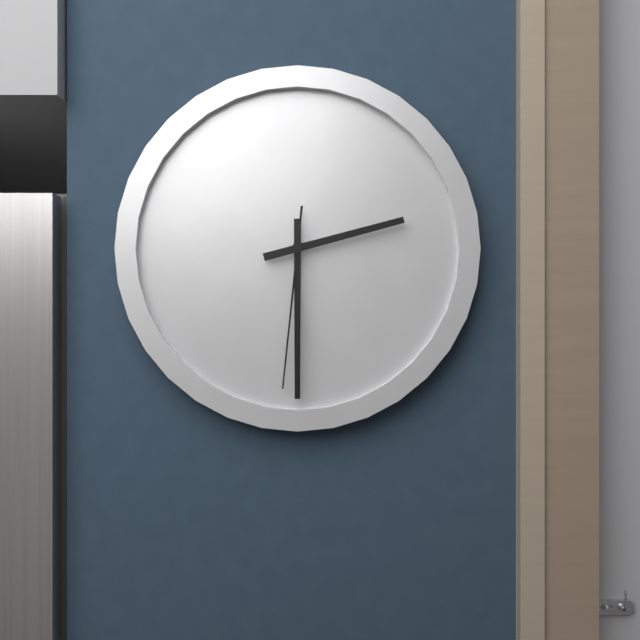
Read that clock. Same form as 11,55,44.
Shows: 2,30,31
